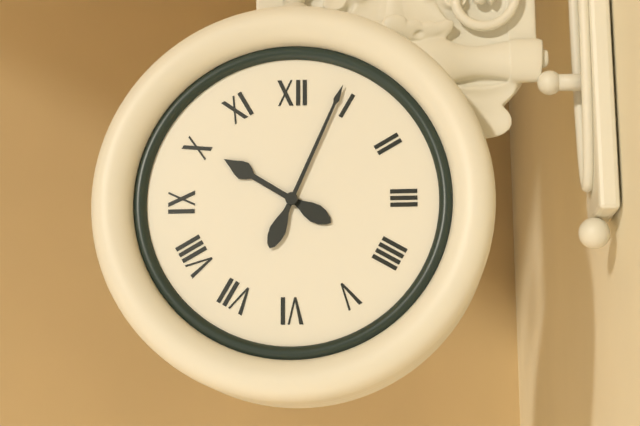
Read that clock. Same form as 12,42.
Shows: 10,04
